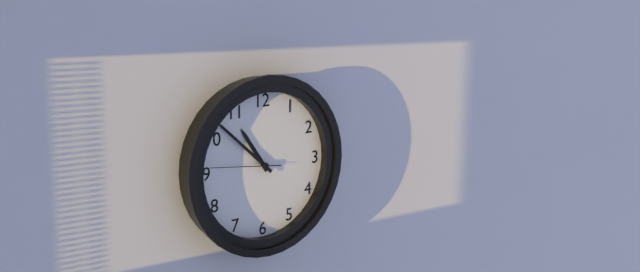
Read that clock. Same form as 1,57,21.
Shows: 10,52,46
